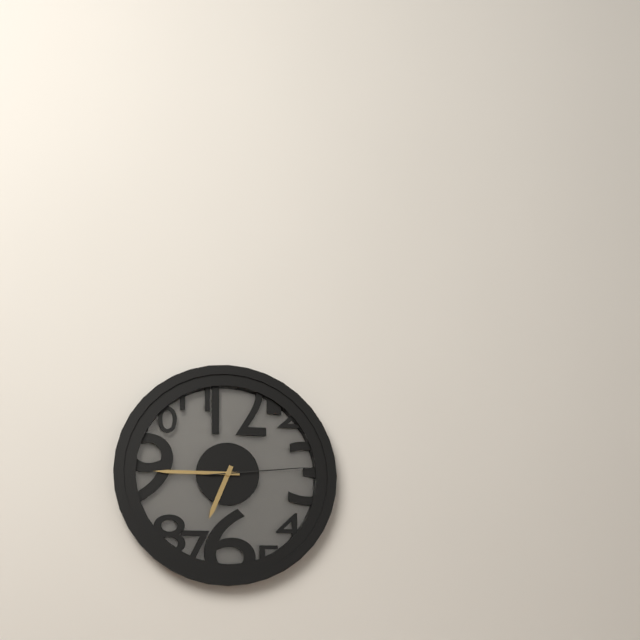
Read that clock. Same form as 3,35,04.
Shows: 6,45,14
